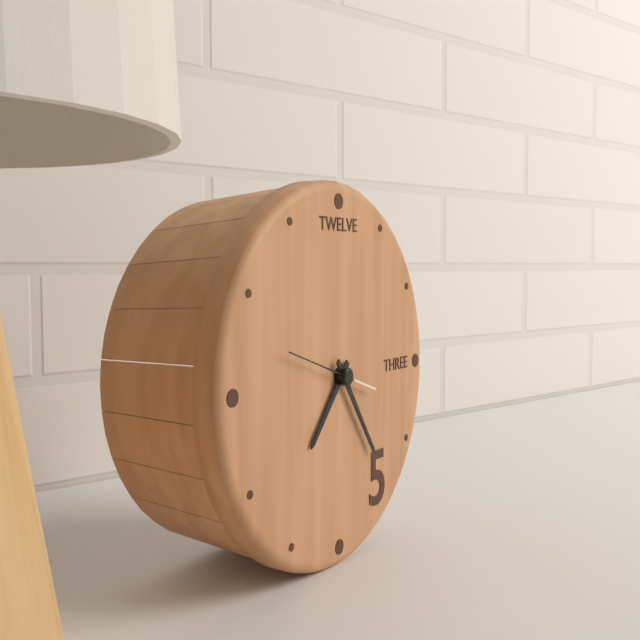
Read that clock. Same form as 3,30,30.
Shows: 7,24,48
